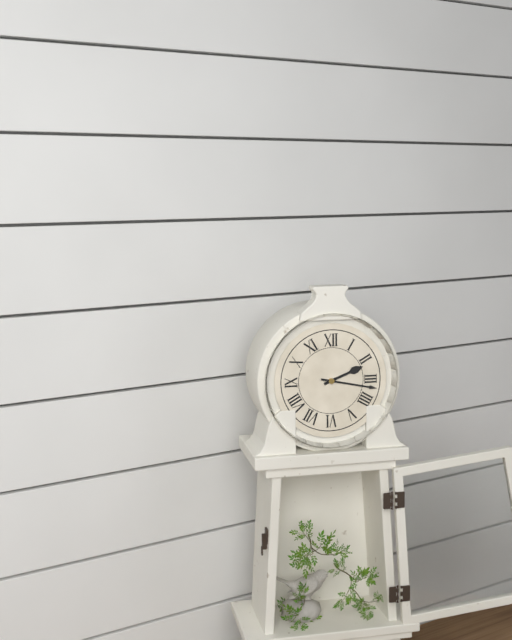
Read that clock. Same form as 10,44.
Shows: 2,17
